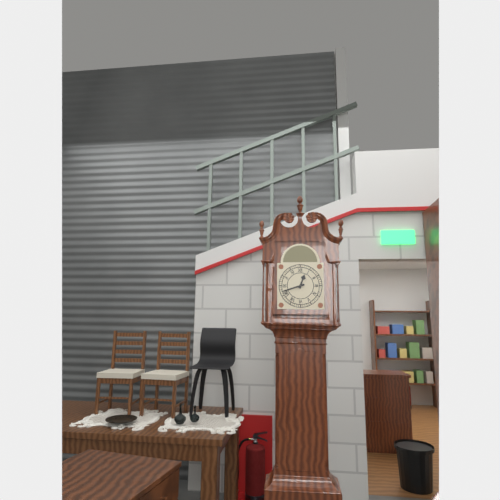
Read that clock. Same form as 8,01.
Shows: 12,42
